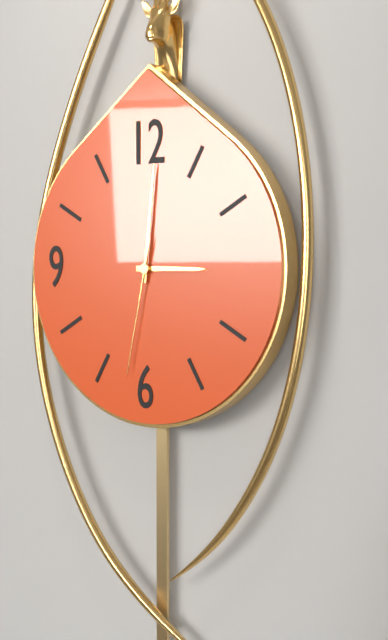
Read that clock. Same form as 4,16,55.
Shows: 3,01,32
